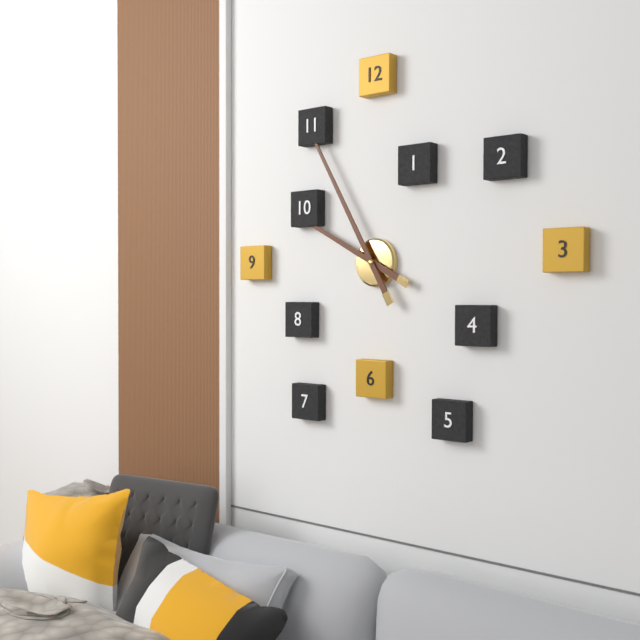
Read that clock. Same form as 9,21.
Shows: 9,55
